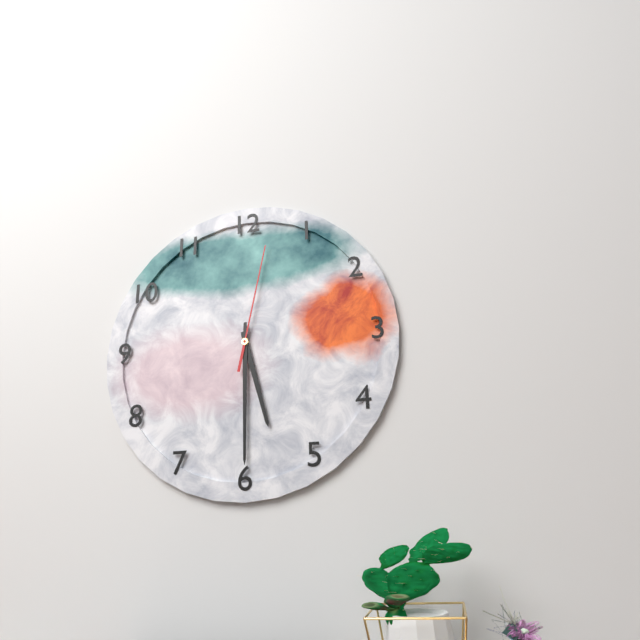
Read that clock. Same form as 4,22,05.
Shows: 5,30,02
